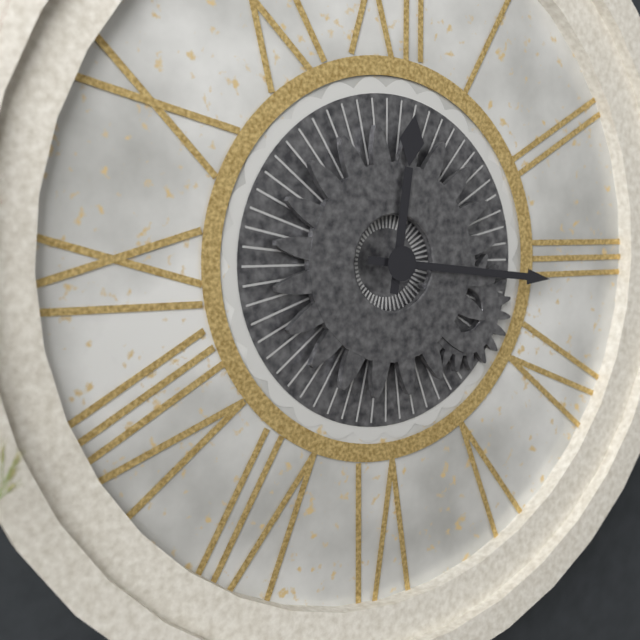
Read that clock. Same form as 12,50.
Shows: 12,16
